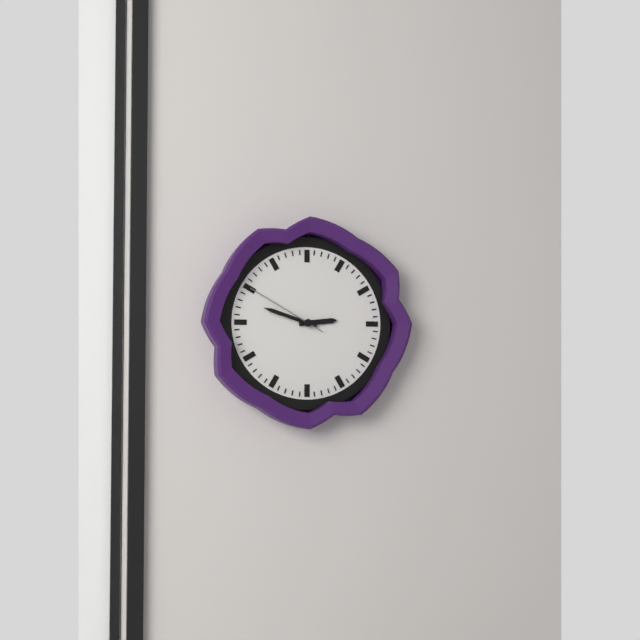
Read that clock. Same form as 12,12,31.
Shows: 2,48,50
